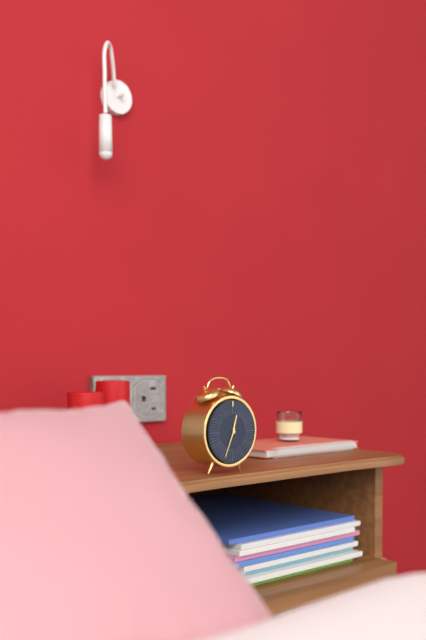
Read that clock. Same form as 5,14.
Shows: 12,34
